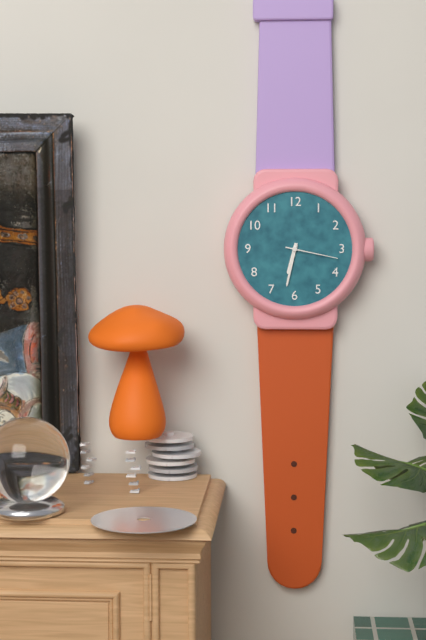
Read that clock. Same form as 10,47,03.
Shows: 6,32,17
